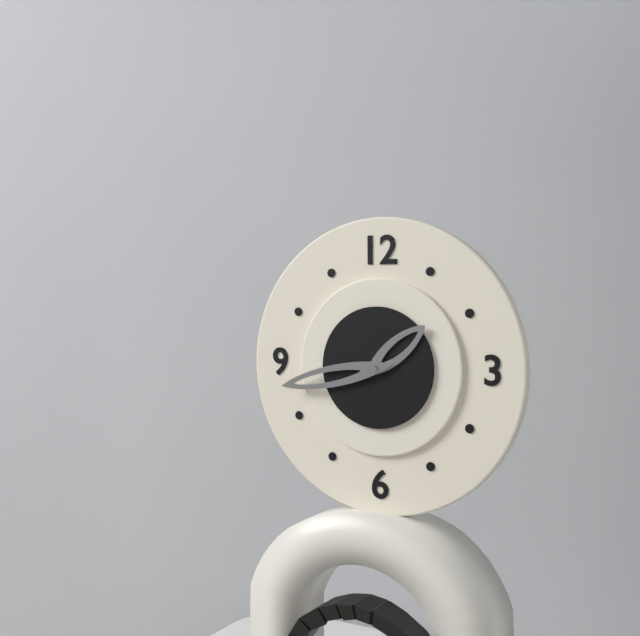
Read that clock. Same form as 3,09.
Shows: 1,43
